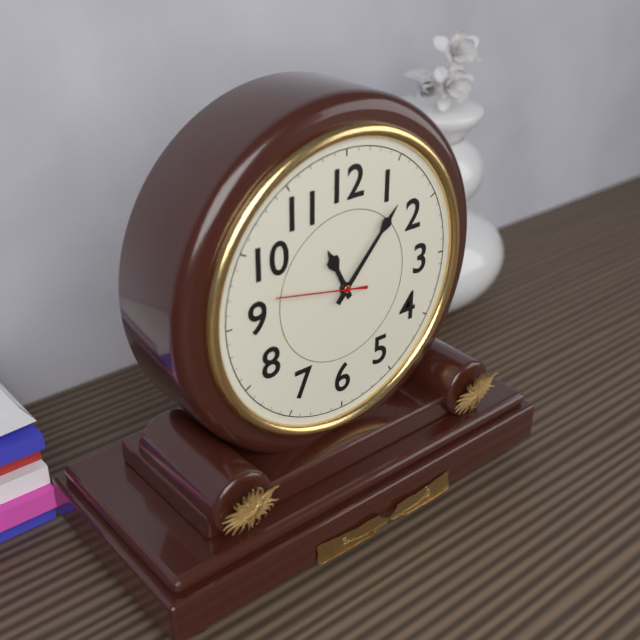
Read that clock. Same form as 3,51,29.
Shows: 11,07,47
